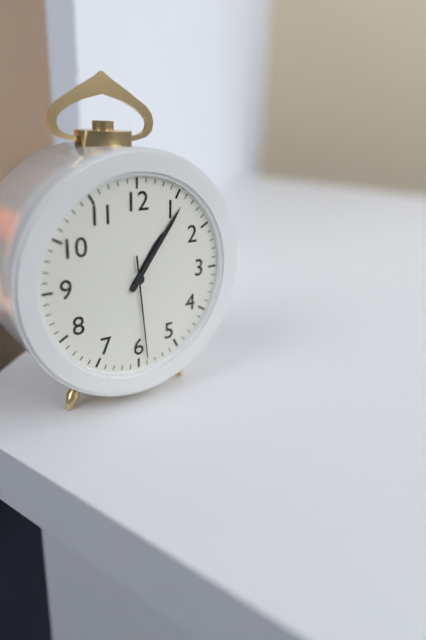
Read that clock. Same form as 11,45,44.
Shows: 1,06,29
